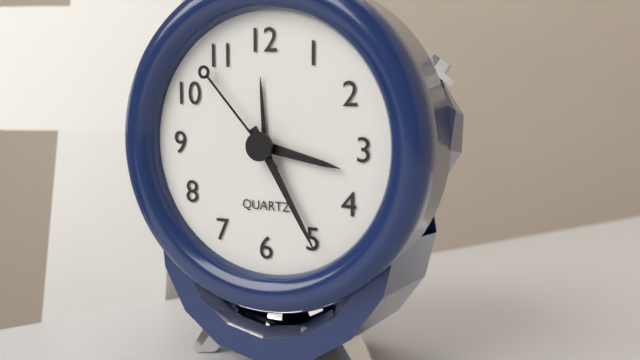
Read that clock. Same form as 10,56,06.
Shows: 3,25,53
